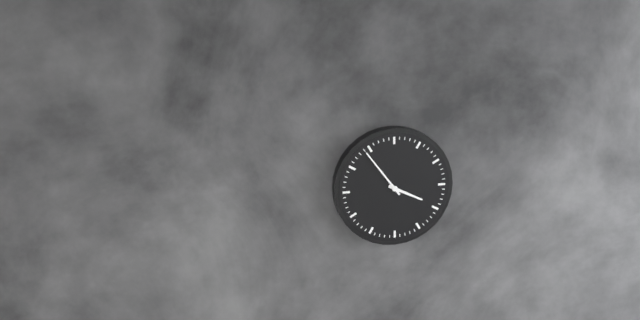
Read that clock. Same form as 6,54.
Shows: 3,54
